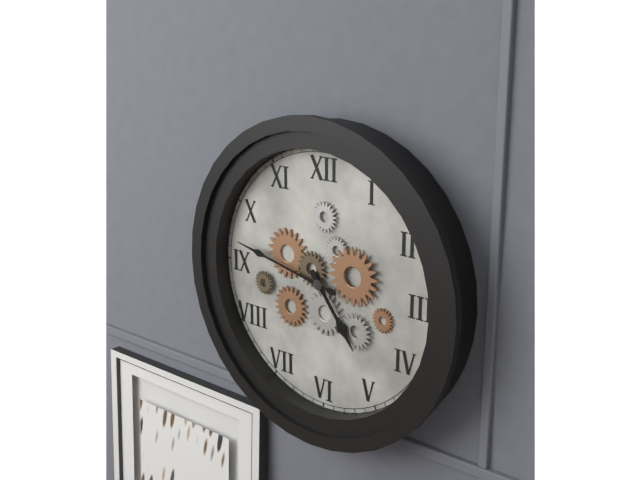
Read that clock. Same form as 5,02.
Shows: 4,47
